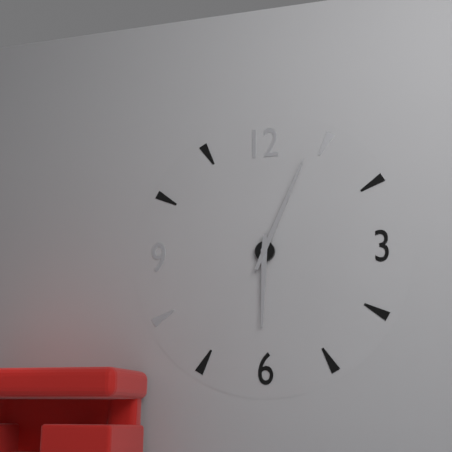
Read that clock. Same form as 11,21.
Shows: 6,04
